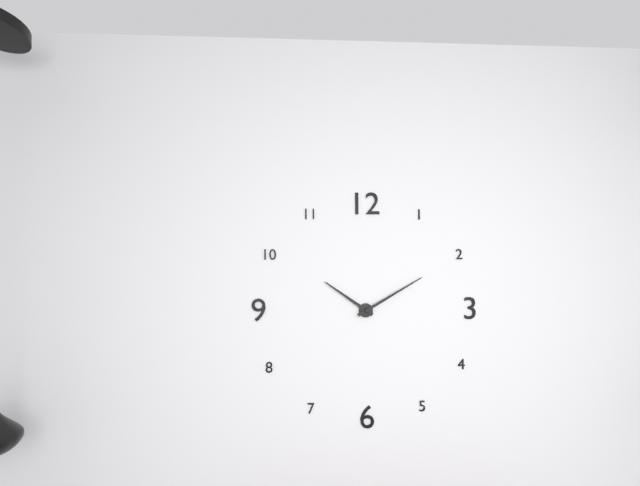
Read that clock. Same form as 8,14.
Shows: 10,10
